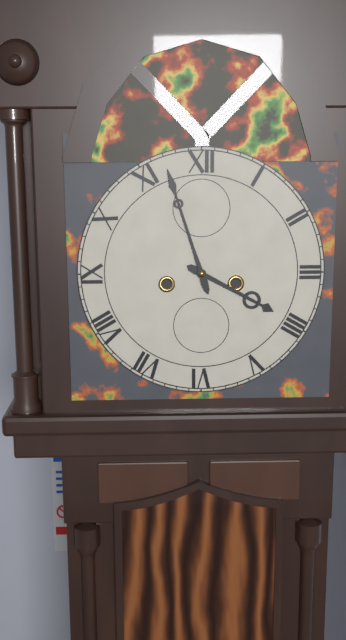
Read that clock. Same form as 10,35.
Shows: 3,57
